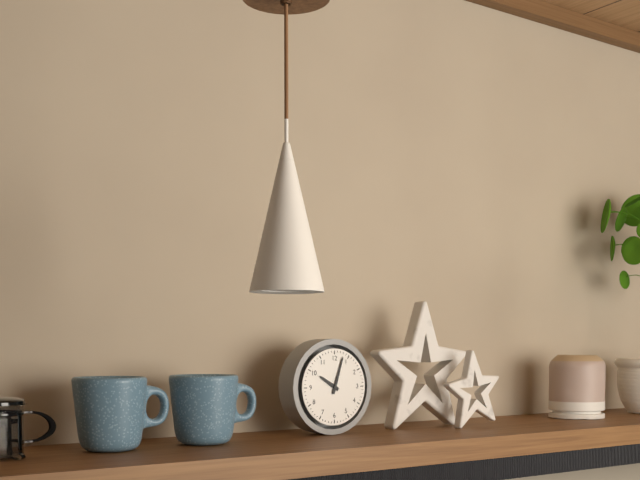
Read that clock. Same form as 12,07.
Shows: 10,03
